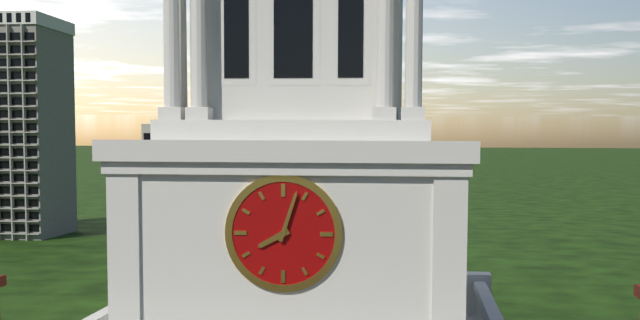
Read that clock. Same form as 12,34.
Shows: 8,03
